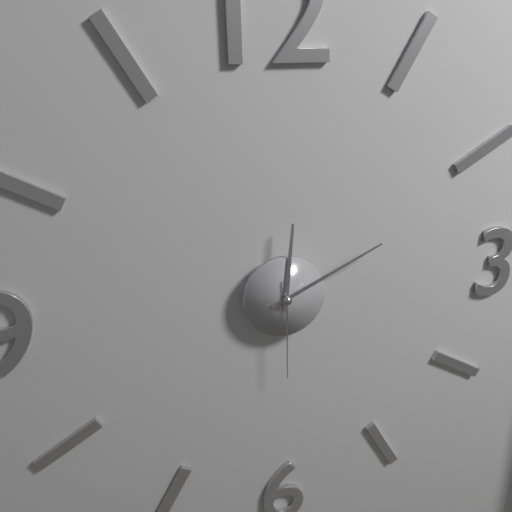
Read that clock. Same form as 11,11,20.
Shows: 12,11,30
